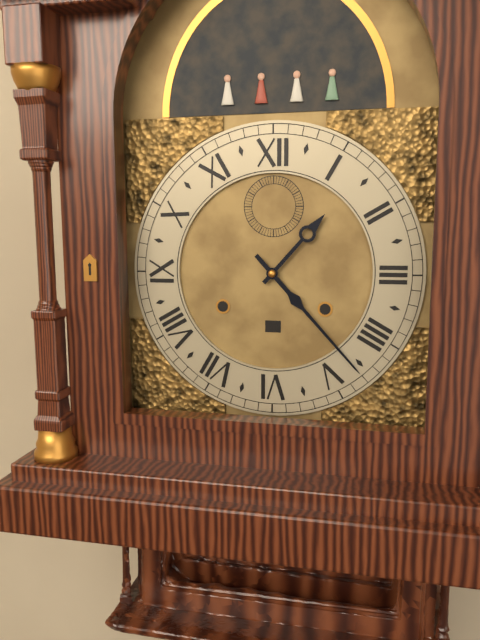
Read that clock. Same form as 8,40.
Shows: 1,23
